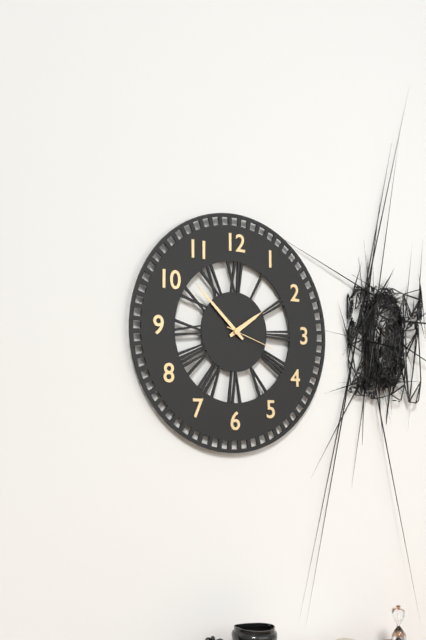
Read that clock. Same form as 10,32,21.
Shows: 1,52,18
